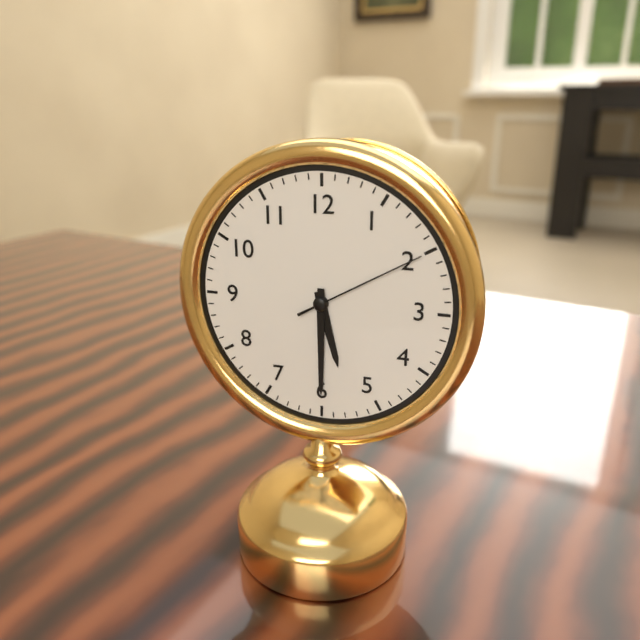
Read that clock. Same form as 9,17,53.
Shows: 5,30,10
